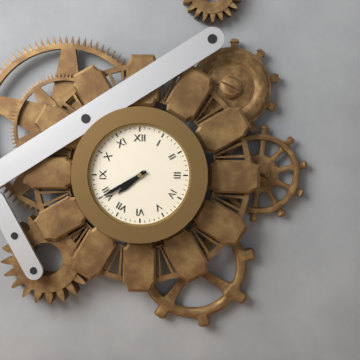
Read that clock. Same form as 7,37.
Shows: 7,40
